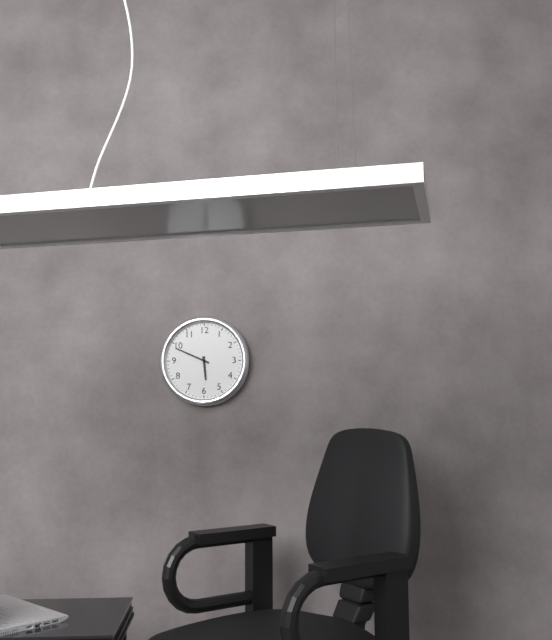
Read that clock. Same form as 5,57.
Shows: 5,49
